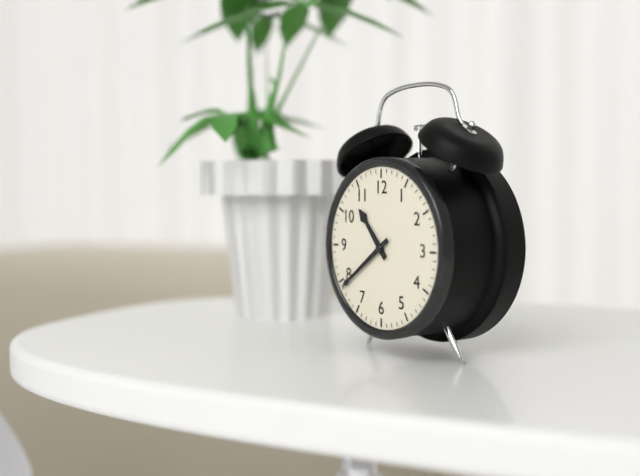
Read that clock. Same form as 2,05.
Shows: 10,39
